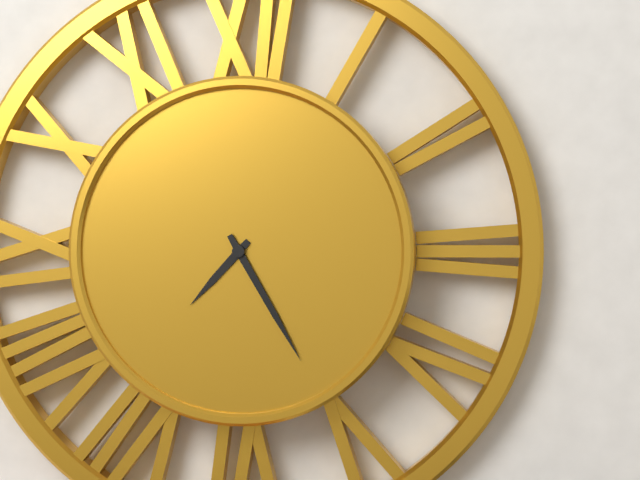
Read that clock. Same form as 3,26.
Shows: 7,25
